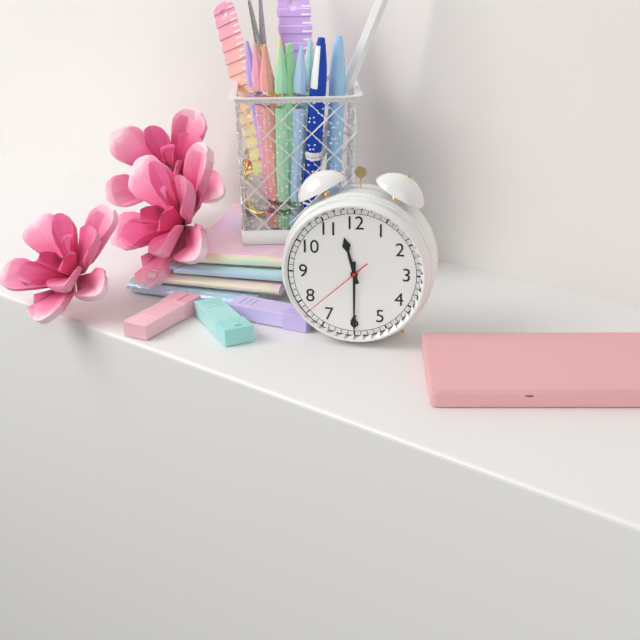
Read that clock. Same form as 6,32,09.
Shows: 11,30,38
